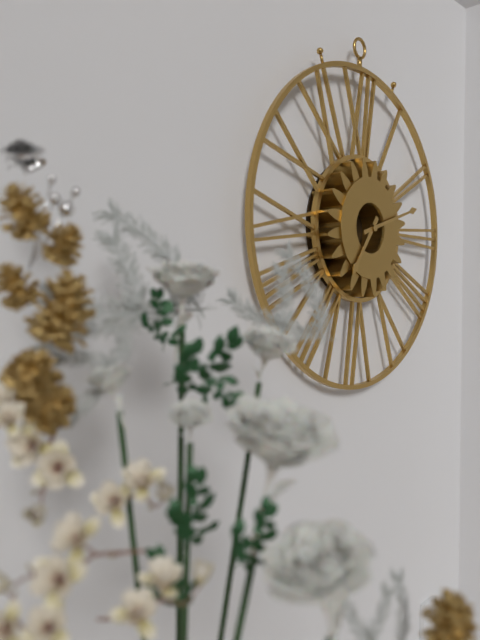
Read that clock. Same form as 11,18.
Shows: 7,12
